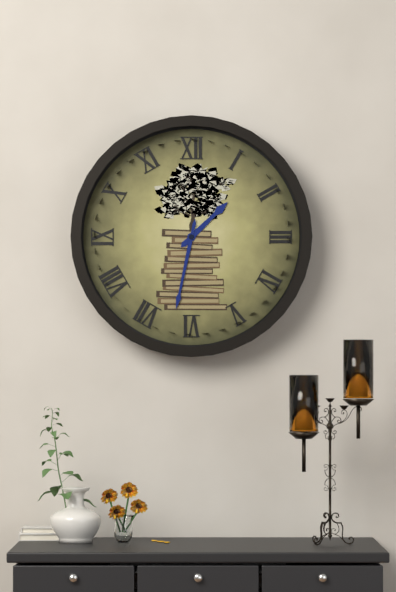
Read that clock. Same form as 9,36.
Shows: 1,32
